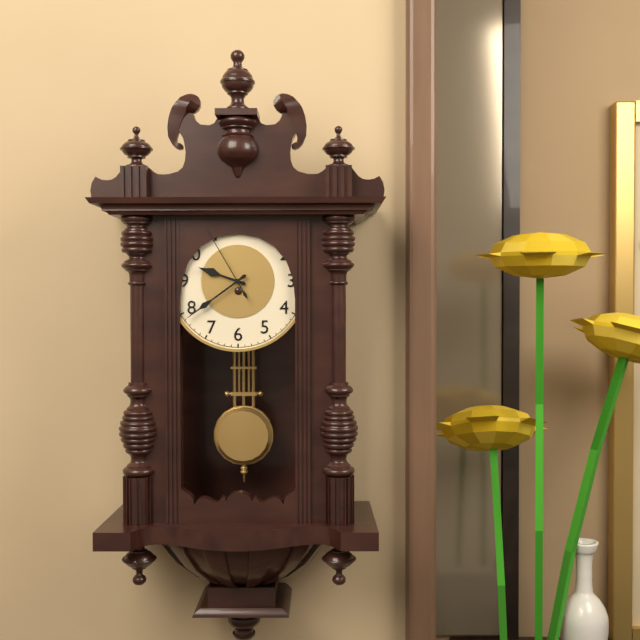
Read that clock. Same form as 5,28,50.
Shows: 9,39,55
